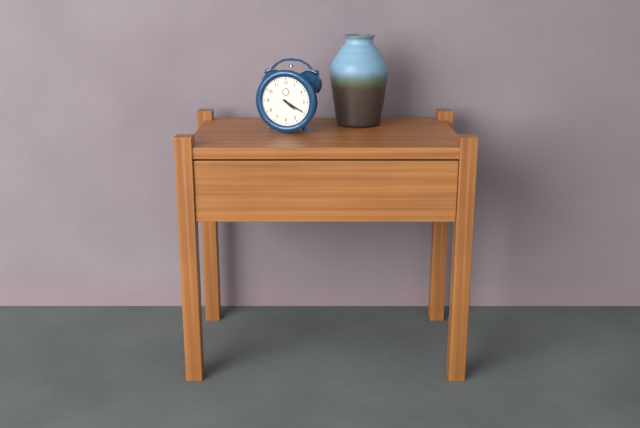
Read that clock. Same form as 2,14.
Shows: 4,20
